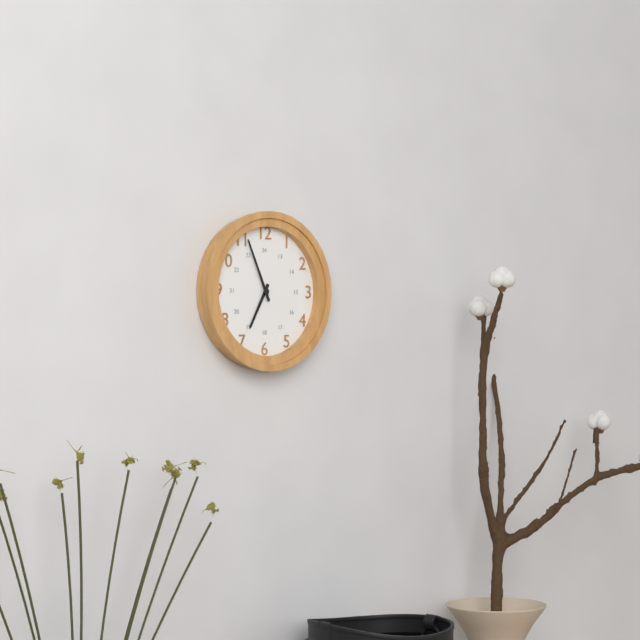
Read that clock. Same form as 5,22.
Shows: 6,56
